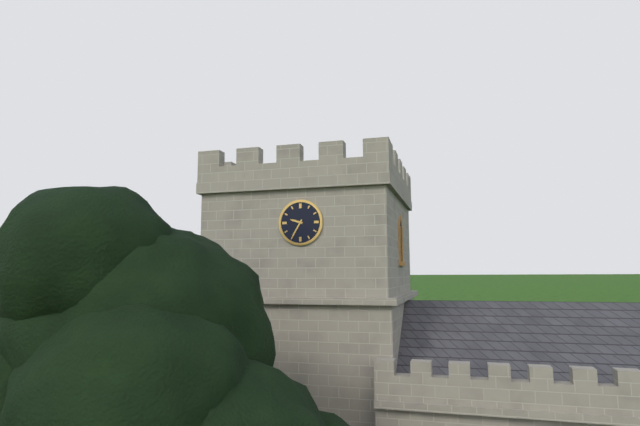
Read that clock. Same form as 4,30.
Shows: 9,35
